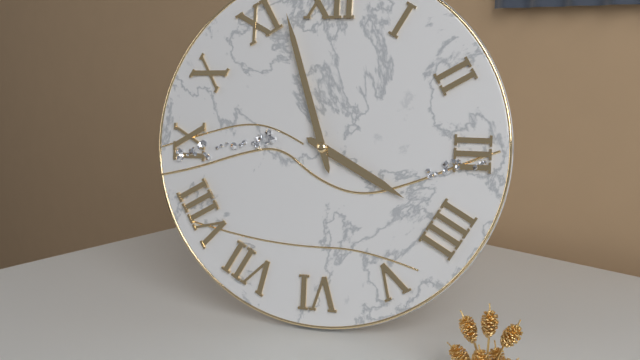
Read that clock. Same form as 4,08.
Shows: 3,57
